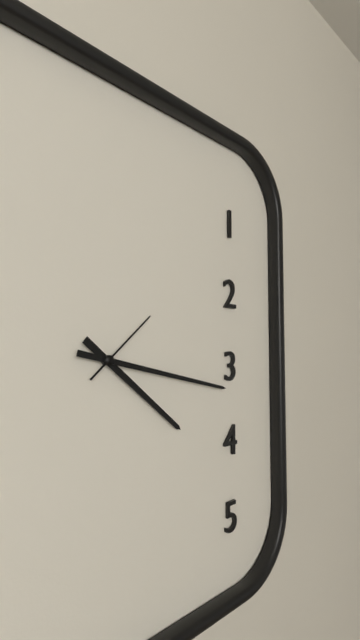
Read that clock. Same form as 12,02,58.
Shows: 4,17,08
